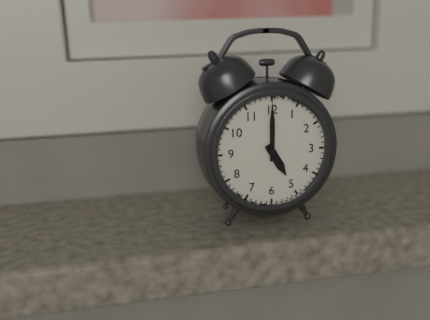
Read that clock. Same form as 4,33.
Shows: 5,00
